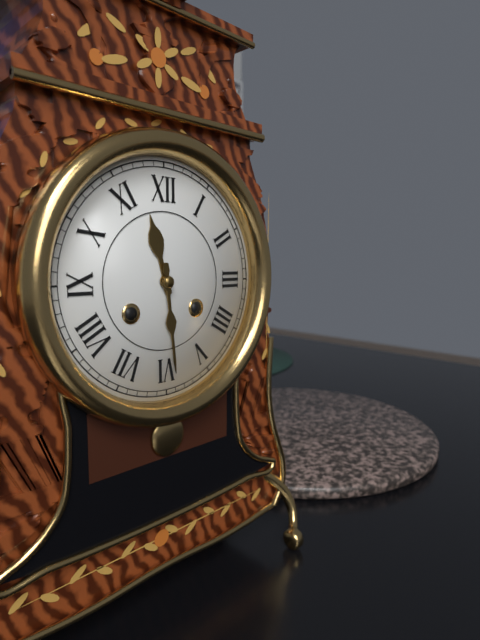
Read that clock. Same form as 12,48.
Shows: 11,29
